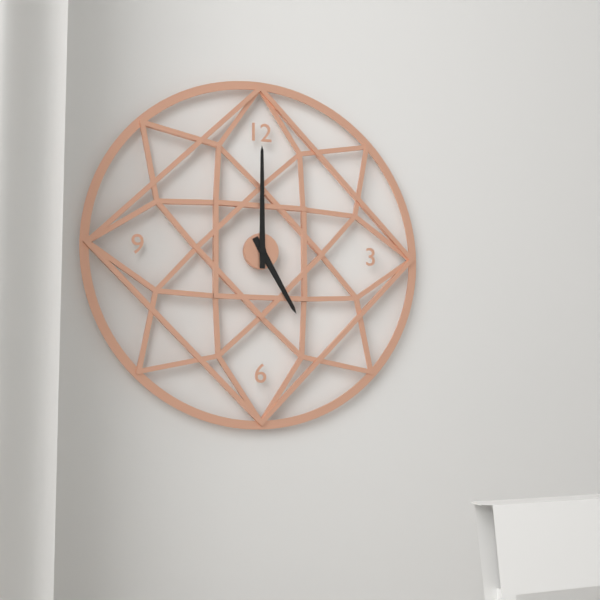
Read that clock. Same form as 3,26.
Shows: 5,00
